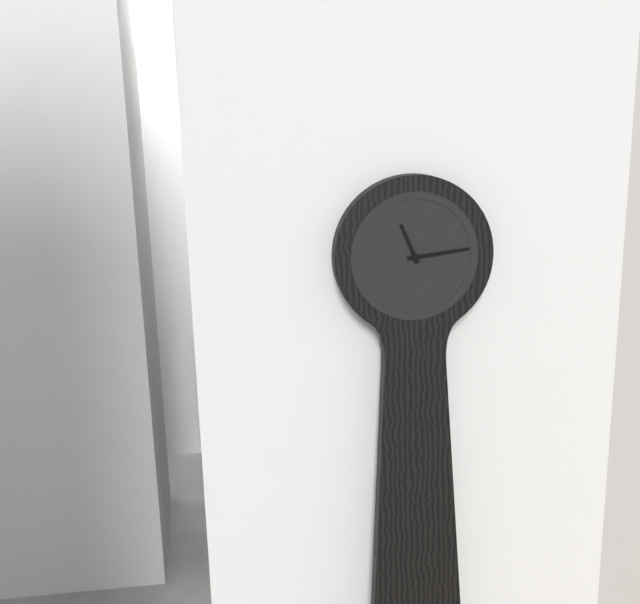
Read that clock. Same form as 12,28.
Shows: 11,14
